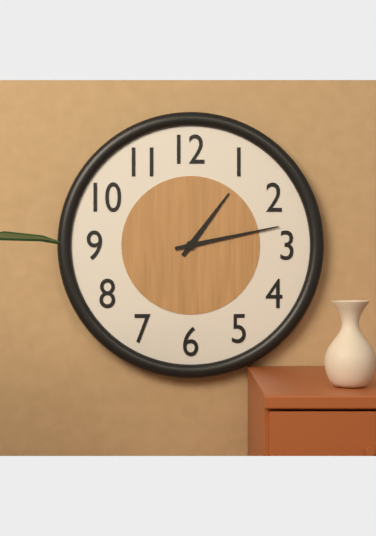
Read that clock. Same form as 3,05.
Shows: 1,13
